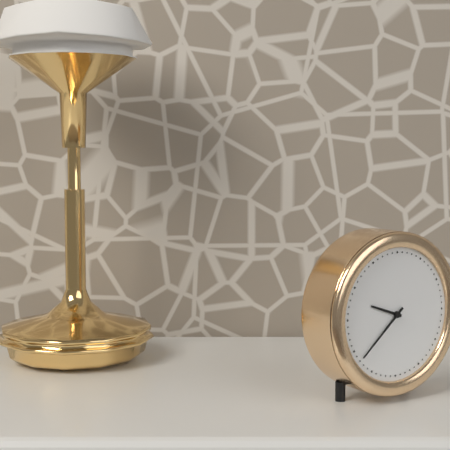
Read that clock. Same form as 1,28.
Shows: 9,38
